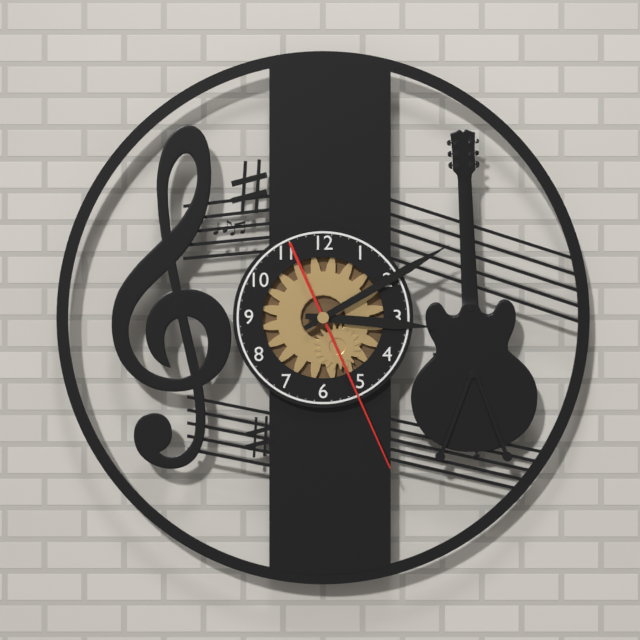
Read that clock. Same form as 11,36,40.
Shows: 3,10,26
